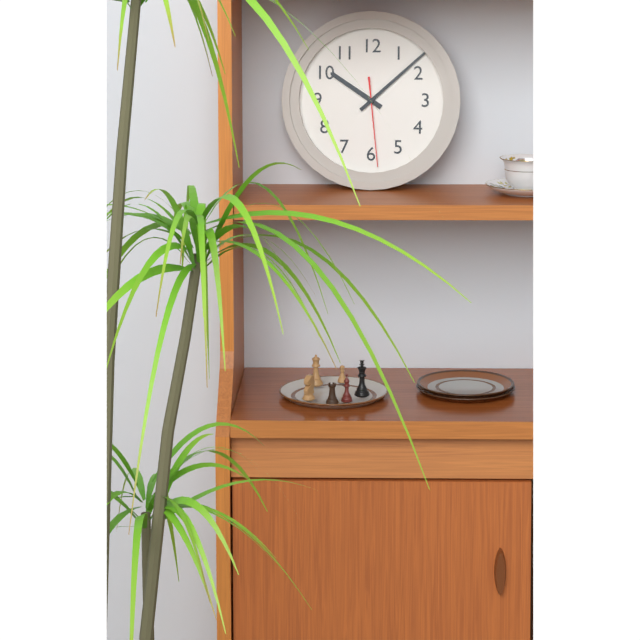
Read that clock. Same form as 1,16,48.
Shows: 10,08,29
